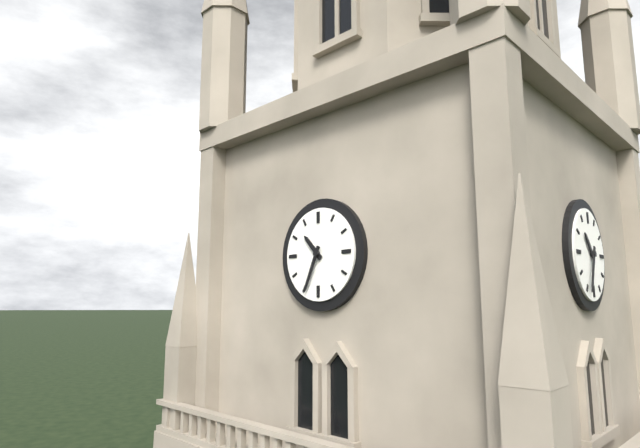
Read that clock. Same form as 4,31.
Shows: 10,34
